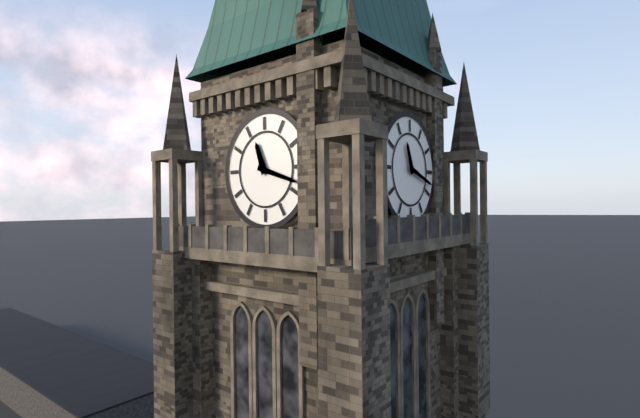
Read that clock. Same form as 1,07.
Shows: 11,18
